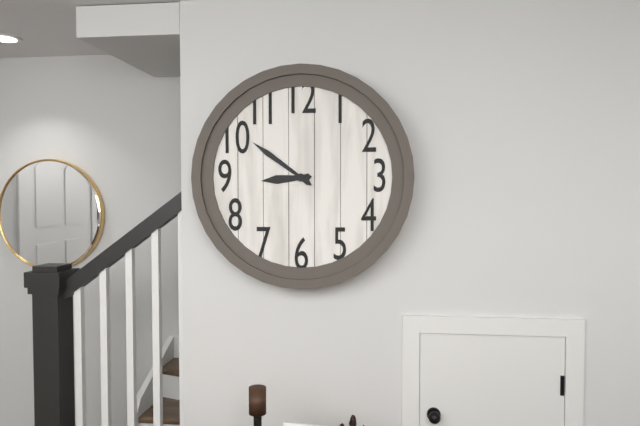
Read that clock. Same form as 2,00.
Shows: 8,51
